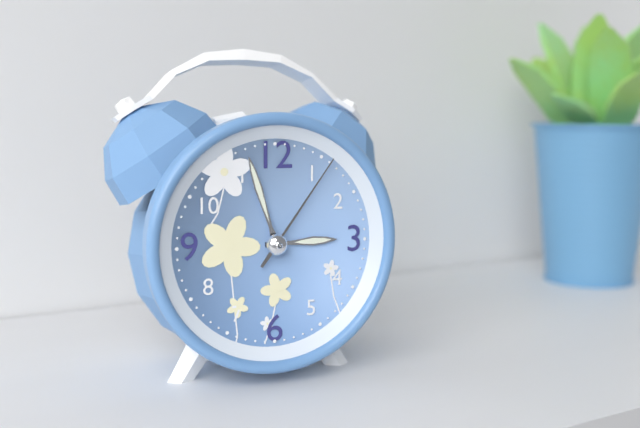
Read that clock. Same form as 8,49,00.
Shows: 2,57,06
